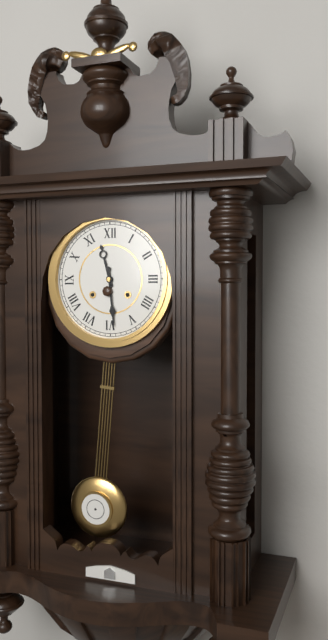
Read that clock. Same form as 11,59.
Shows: 11,29
